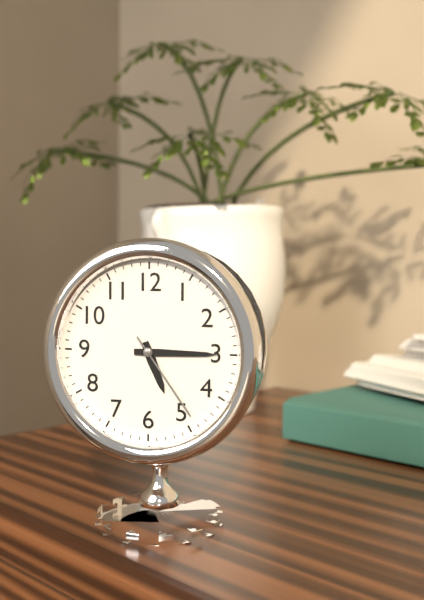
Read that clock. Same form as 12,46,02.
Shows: 5,15,24
